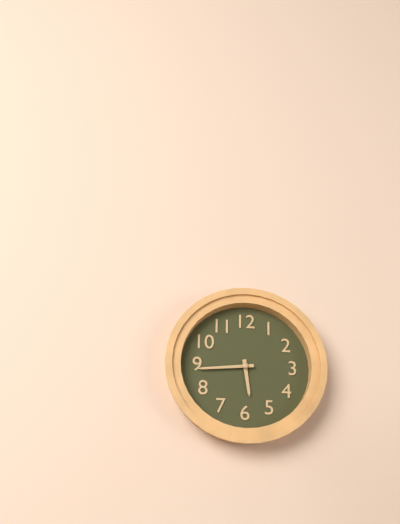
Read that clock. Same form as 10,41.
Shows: 5,44
